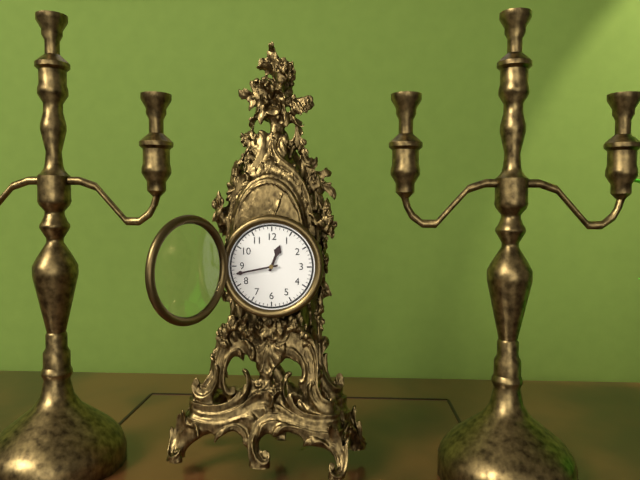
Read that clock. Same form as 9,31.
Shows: 12,43
